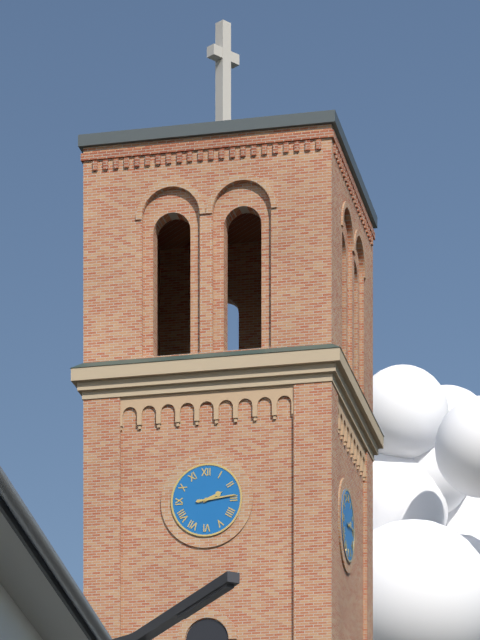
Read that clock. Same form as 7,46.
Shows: 2,14
